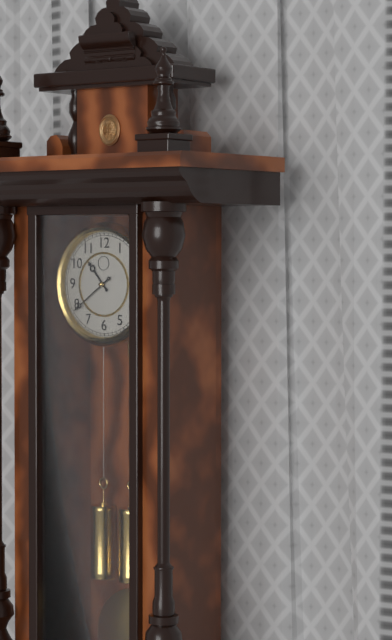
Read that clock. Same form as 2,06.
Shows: 10,39
